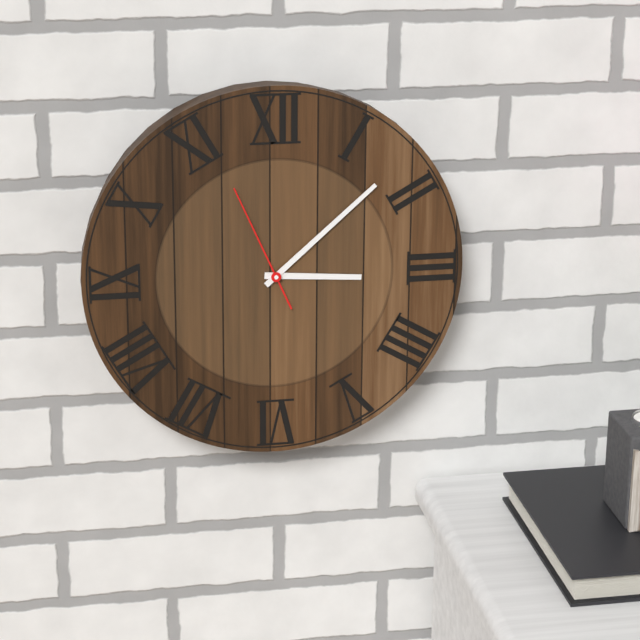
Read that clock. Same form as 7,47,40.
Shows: 3,08,56
